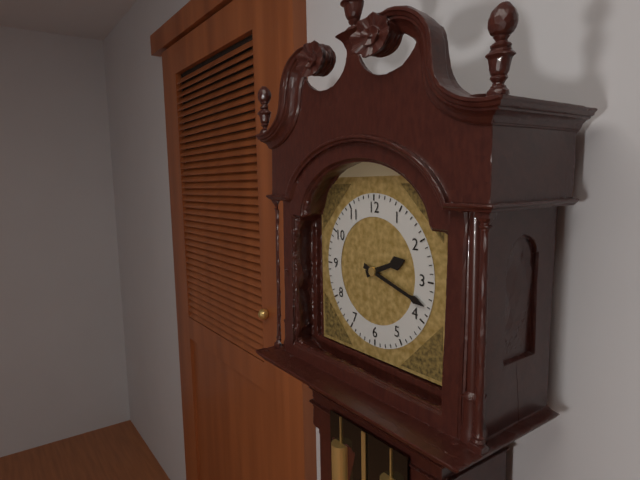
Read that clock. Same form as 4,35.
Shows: 2,18
